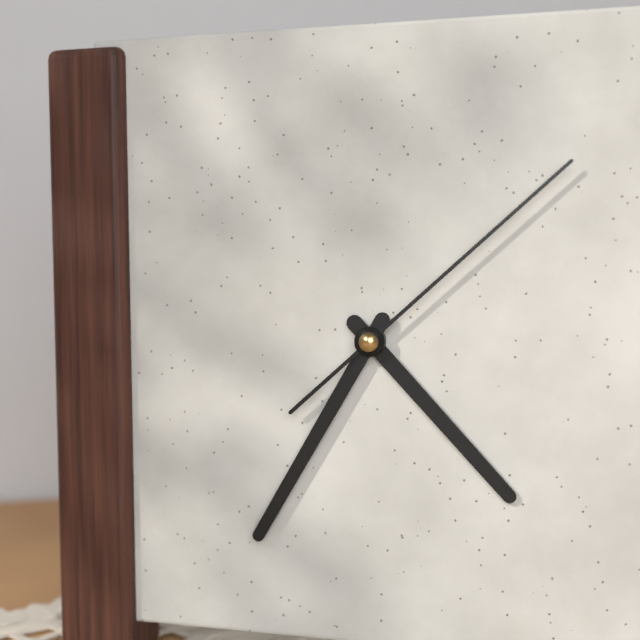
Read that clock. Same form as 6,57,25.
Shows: 4,35,08
